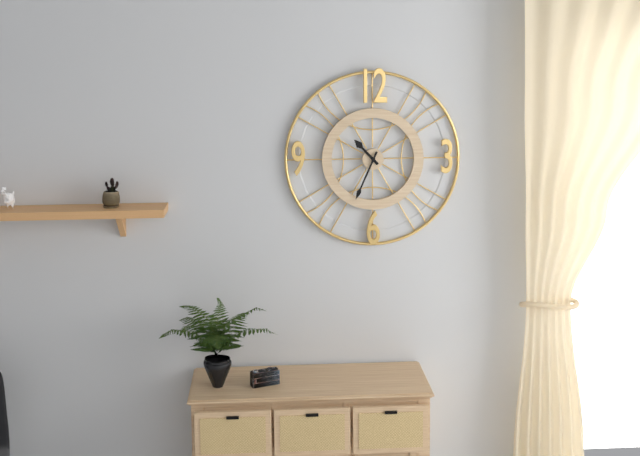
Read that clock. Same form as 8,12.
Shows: 10,34
